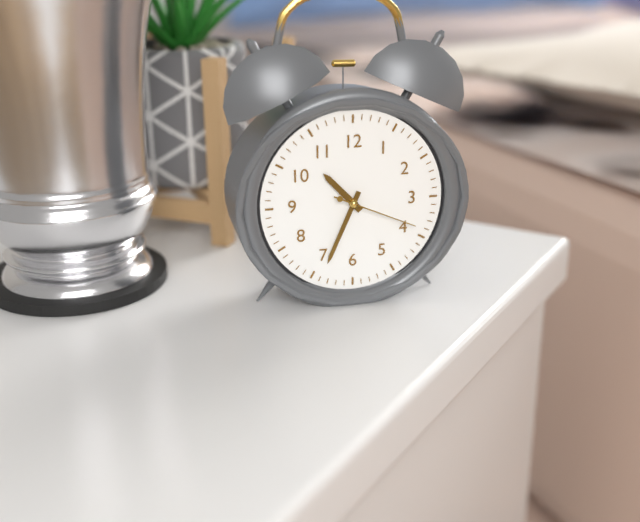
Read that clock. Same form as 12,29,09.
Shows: 10,34,19
